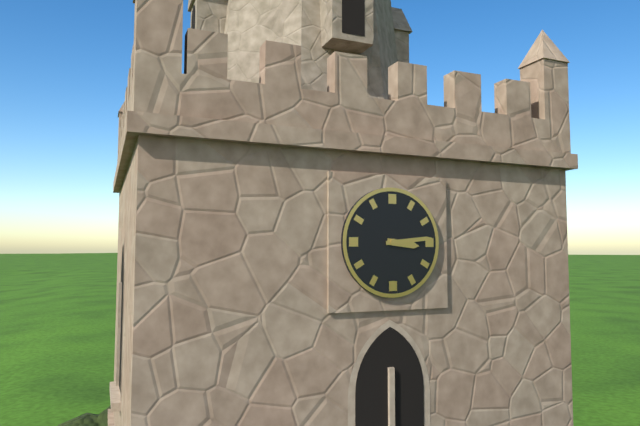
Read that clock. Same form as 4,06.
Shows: 3,14
